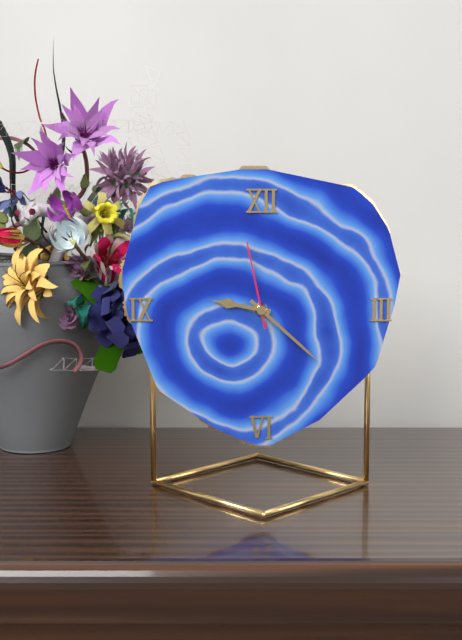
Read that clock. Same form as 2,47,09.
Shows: 9,22,58
